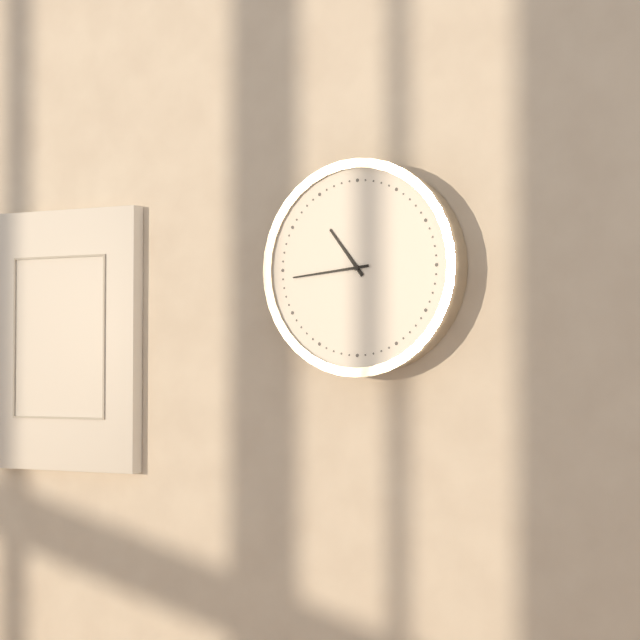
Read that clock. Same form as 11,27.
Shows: 10,44
